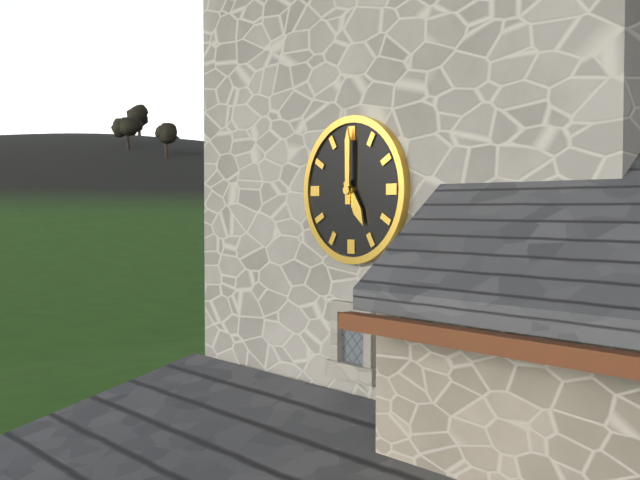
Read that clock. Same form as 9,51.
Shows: 5,00
